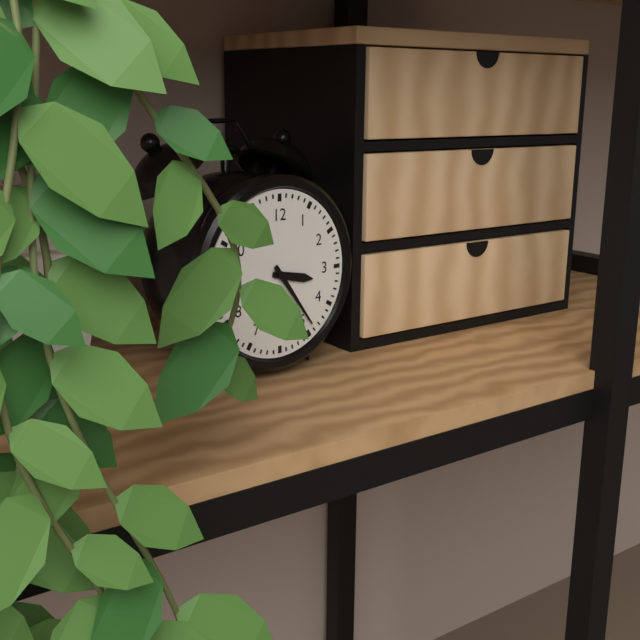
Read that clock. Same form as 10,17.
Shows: 3,24
